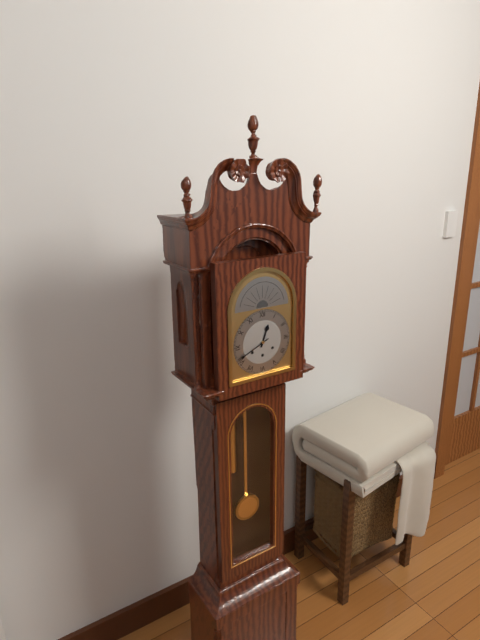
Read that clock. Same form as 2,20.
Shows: 12,41
